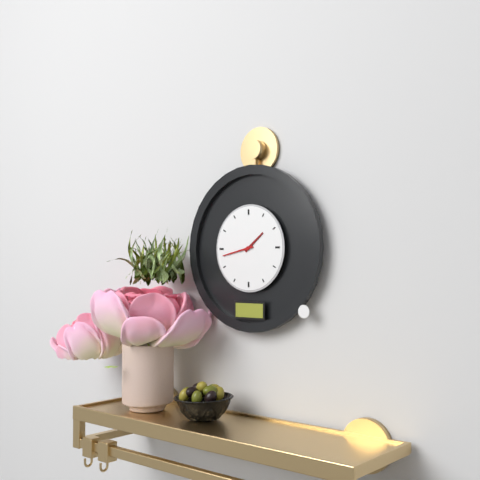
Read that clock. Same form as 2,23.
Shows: 1,43
